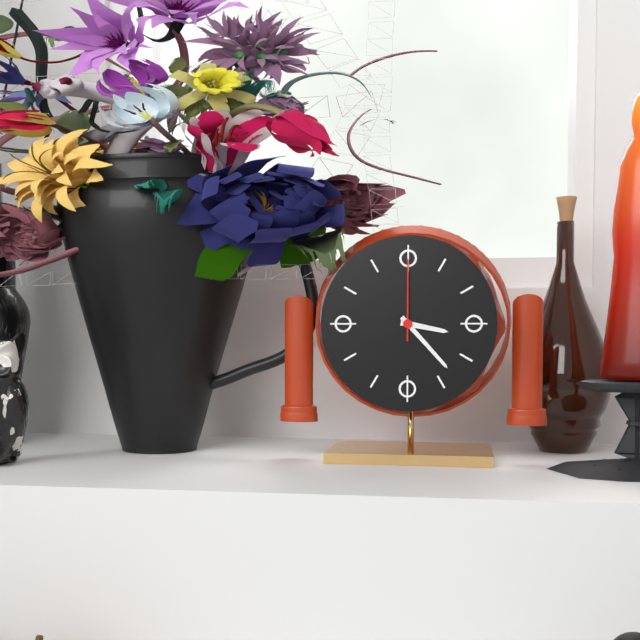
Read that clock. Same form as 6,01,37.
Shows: 3,23,00
